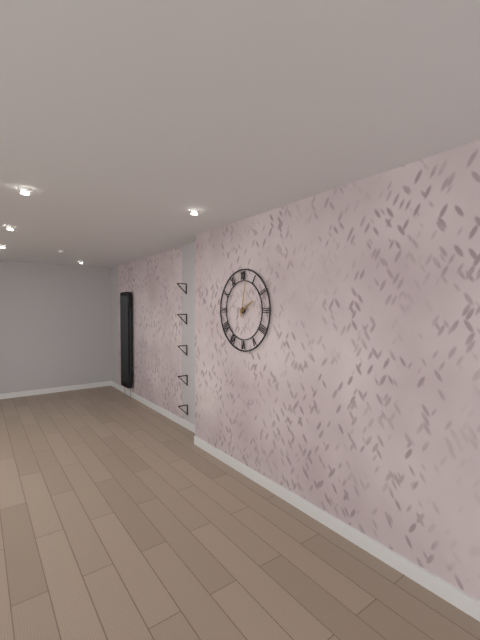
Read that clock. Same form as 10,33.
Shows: 2,02
